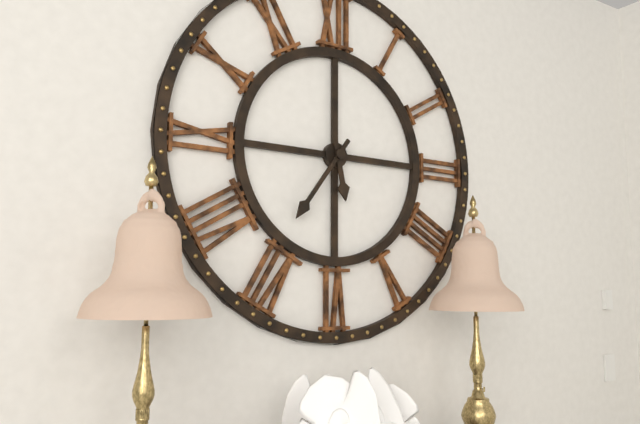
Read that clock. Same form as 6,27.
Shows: 5,36
